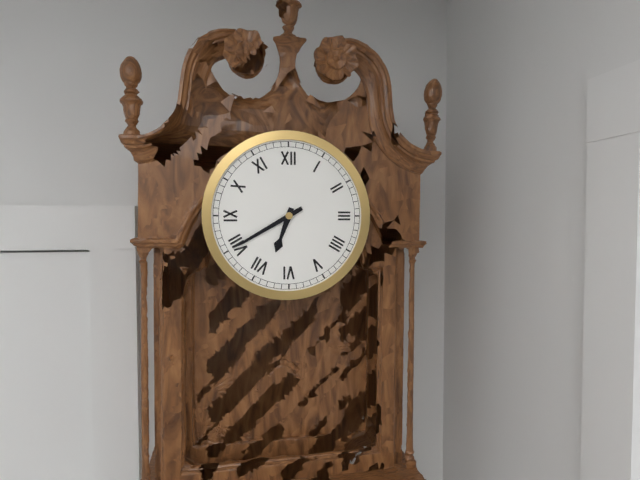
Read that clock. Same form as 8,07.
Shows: 6,40
